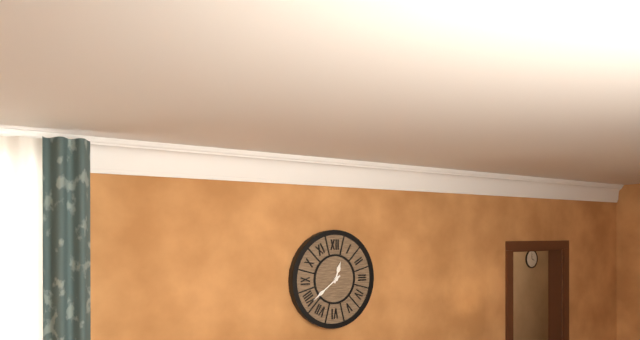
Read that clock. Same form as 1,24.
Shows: 12,39
